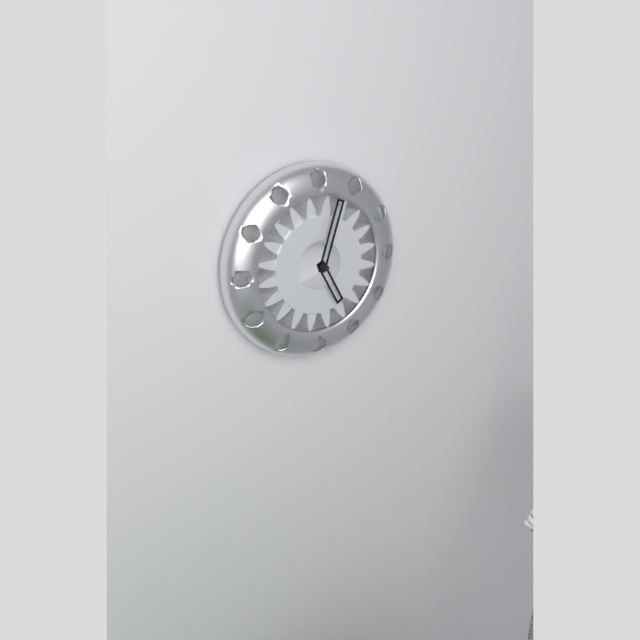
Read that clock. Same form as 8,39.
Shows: 5,03
